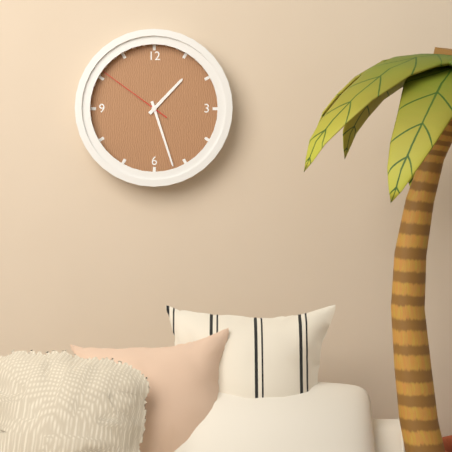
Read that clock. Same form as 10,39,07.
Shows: 1,27,51
